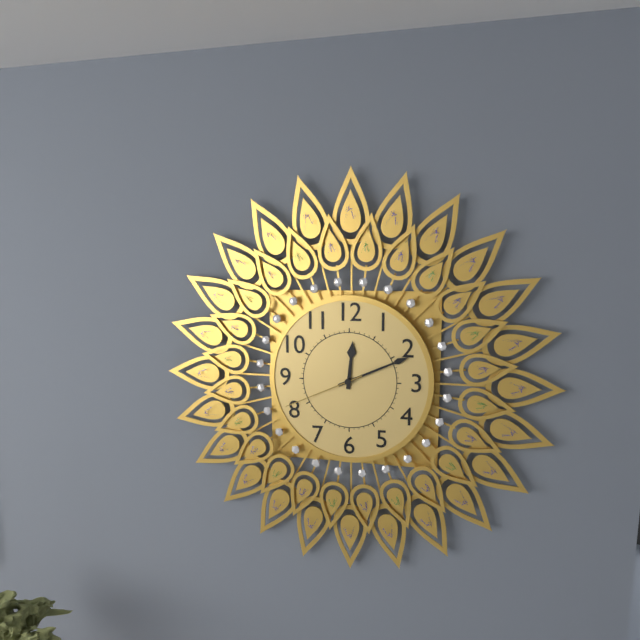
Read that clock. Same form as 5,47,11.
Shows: 12,11,41
